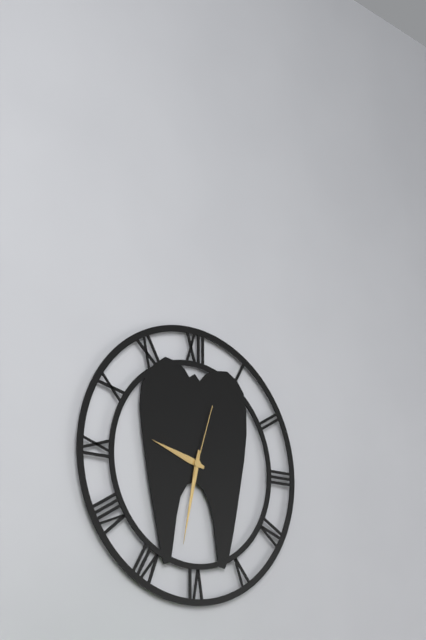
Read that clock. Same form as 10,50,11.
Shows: 9,32,03
